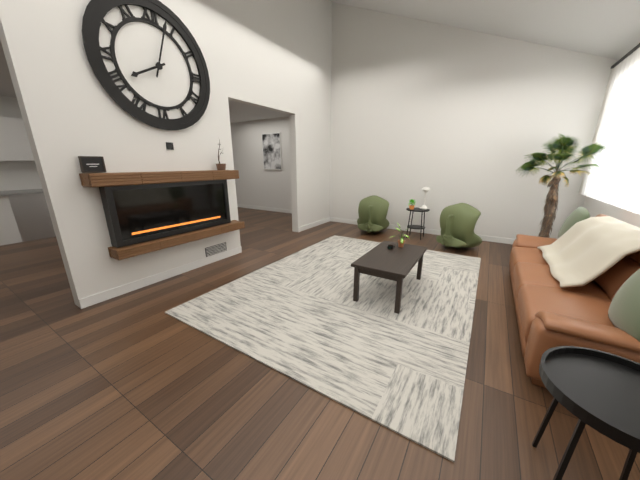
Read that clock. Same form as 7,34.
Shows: 8,03
